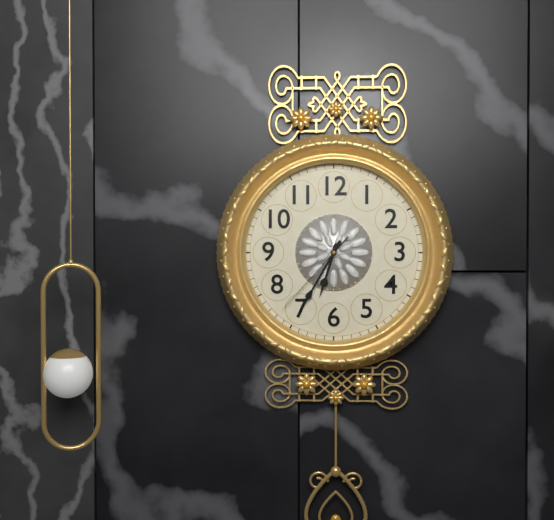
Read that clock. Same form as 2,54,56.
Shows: 6,35,37
